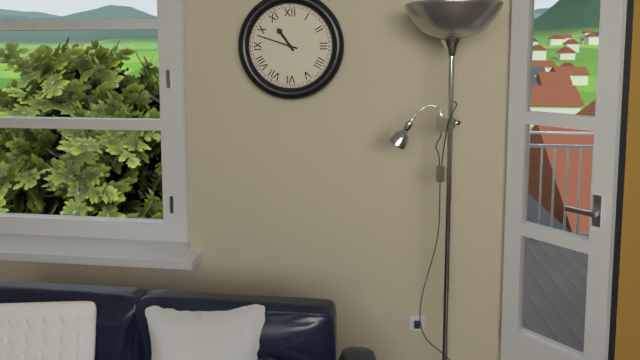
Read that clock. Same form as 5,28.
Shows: 10,48
